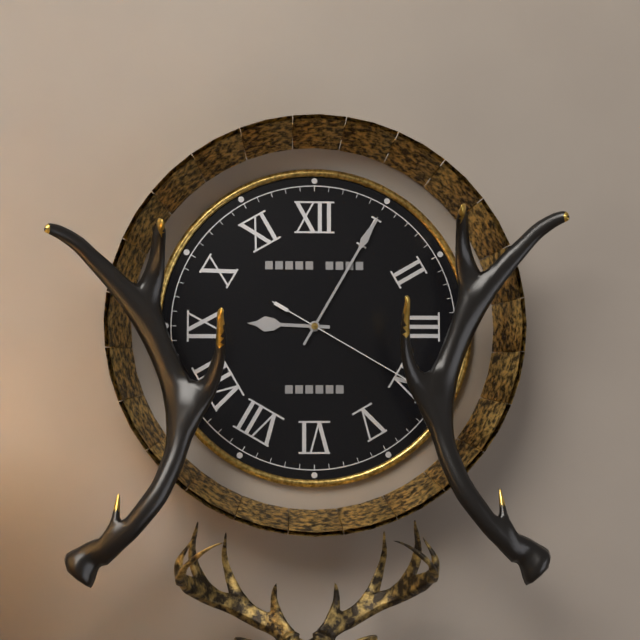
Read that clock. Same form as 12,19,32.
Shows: 9,05,20
